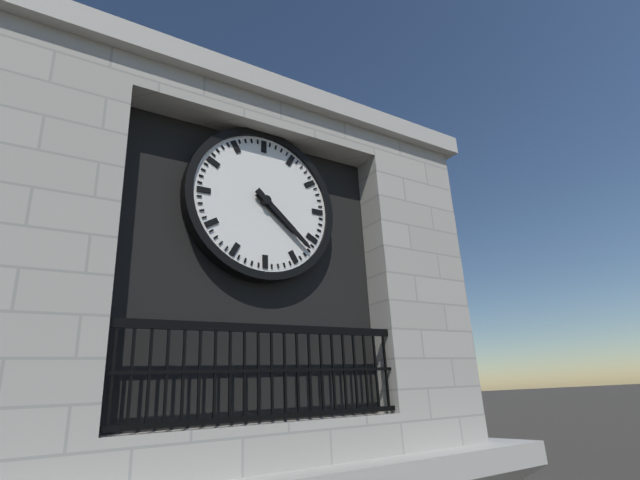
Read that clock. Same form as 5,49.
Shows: 4,22
